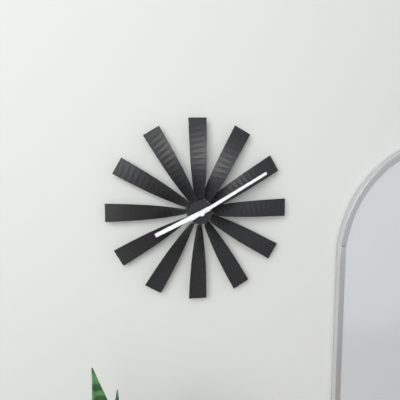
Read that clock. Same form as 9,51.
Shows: 8,10
